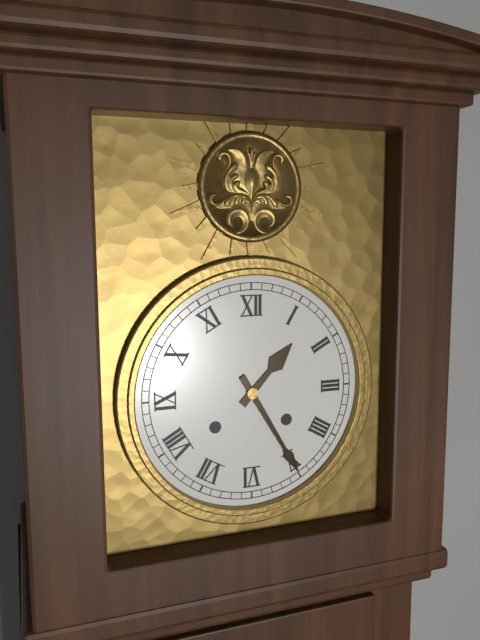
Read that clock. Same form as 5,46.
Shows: 1,25
